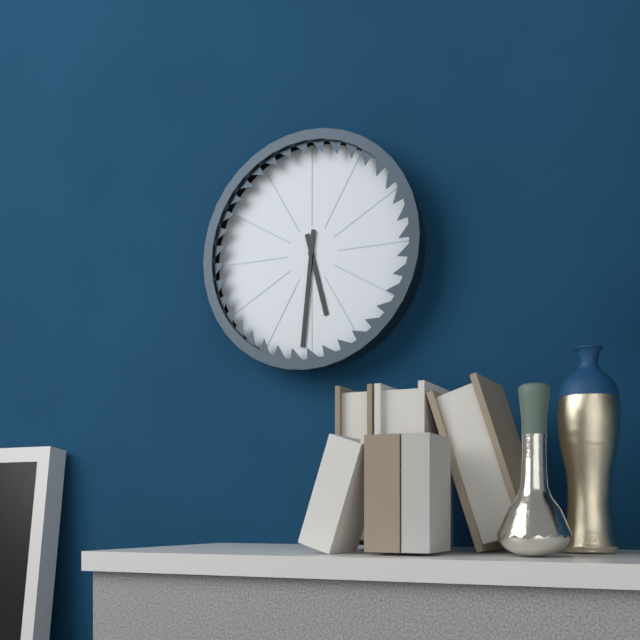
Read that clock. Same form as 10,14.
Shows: 5,31
